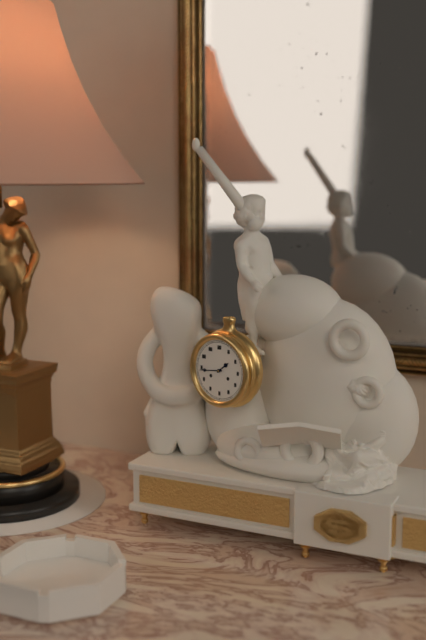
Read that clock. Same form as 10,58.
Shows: 1,44
